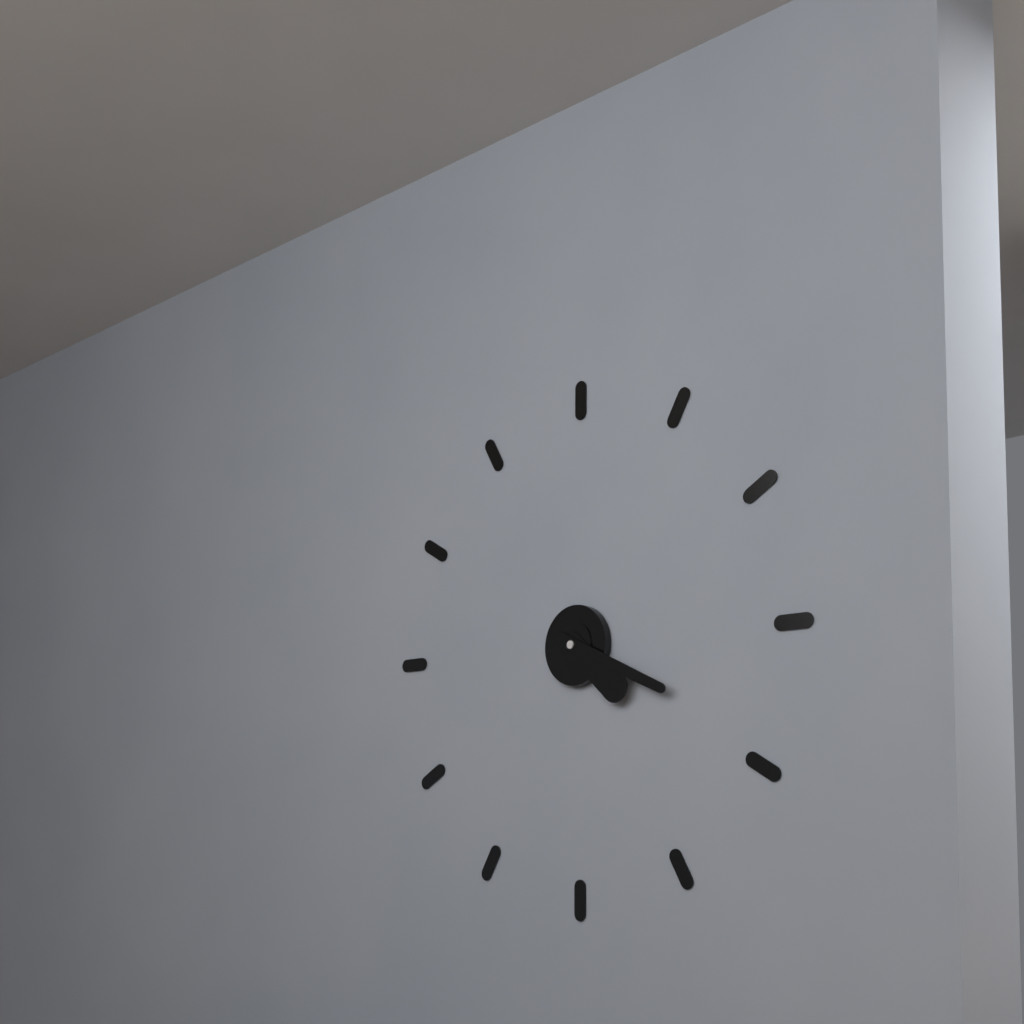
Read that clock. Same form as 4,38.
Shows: 4,19
